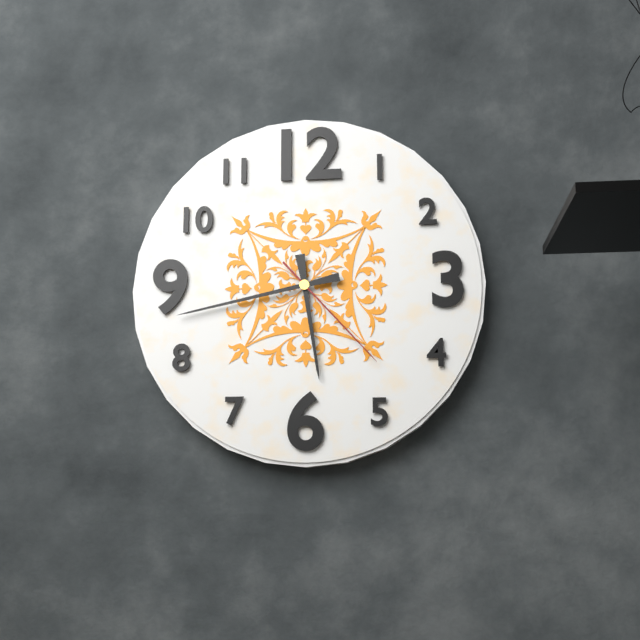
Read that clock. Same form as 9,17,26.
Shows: 5,43,23
